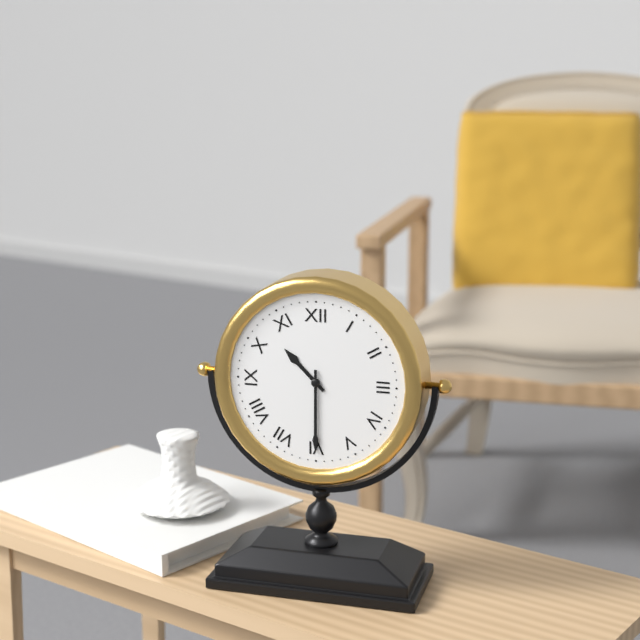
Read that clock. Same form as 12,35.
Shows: 10,30
